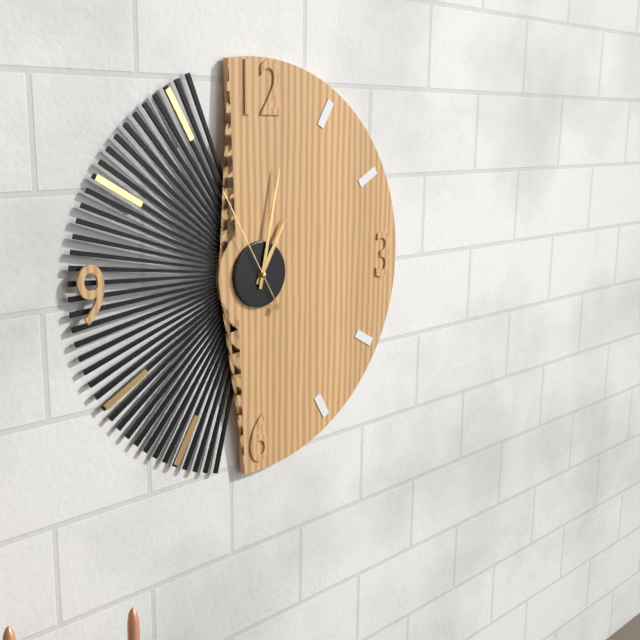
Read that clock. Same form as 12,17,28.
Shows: 1,02,55
